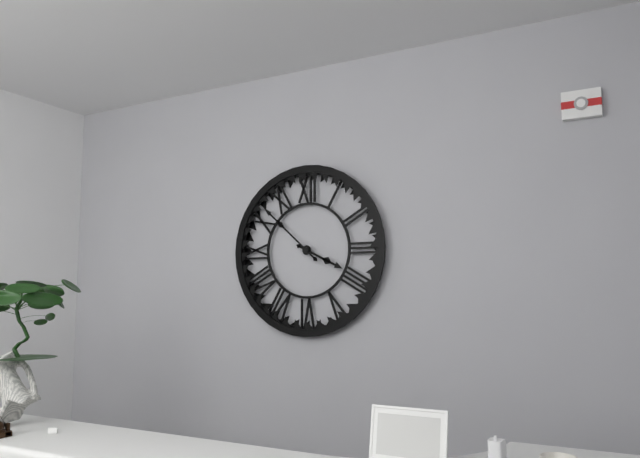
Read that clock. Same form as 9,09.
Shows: 3,52
